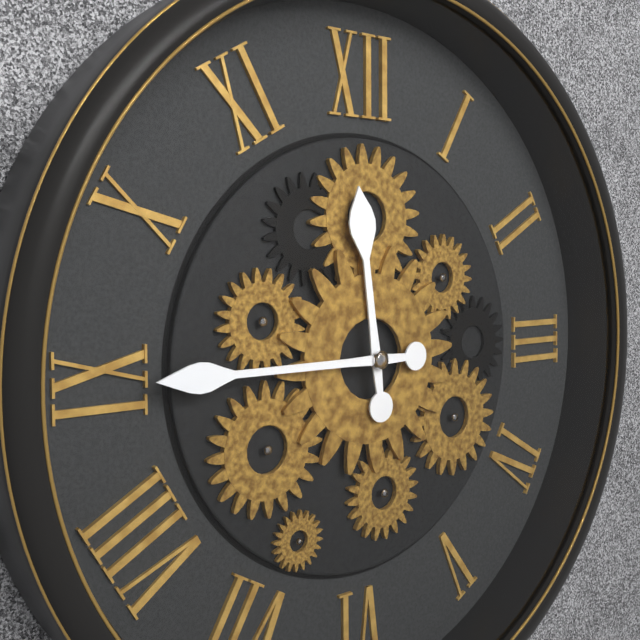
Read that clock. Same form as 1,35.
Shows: 11,45
